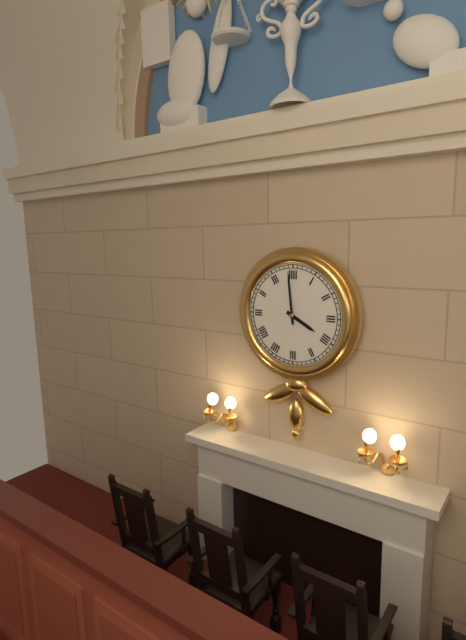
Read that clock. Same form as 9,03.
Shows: 3,59
